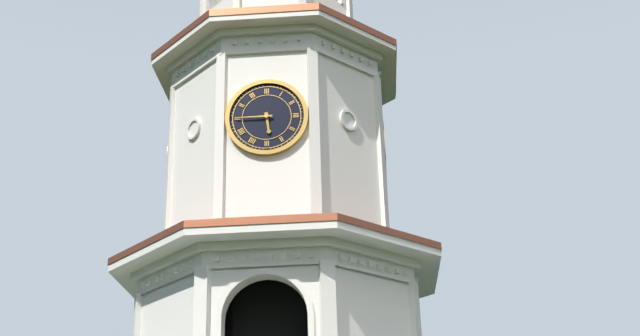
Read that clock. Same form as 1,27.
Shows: 5,45
